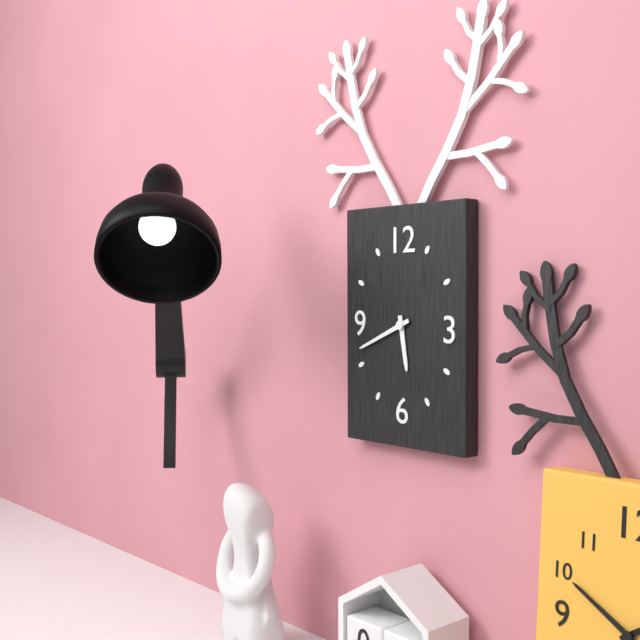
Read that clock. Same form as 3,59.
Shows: 5,41
